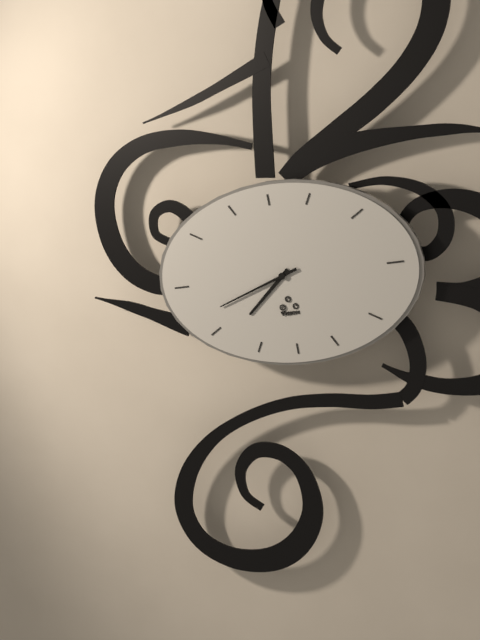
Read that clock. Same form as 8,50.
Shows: 7,42
